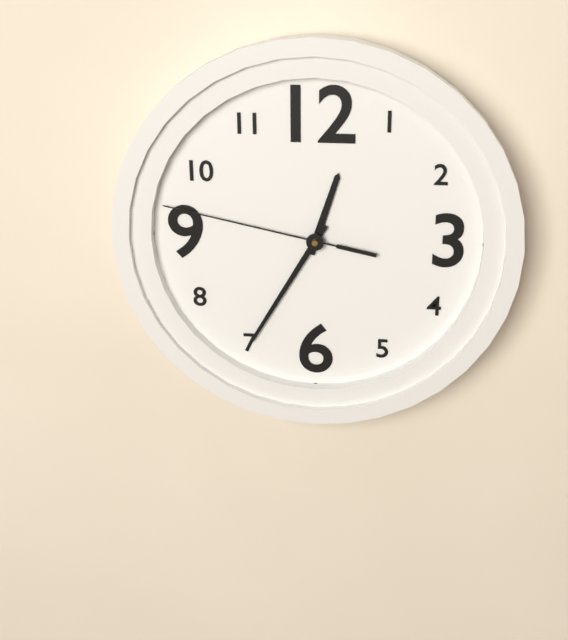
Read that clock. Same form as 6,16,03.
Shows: 12,35,47
